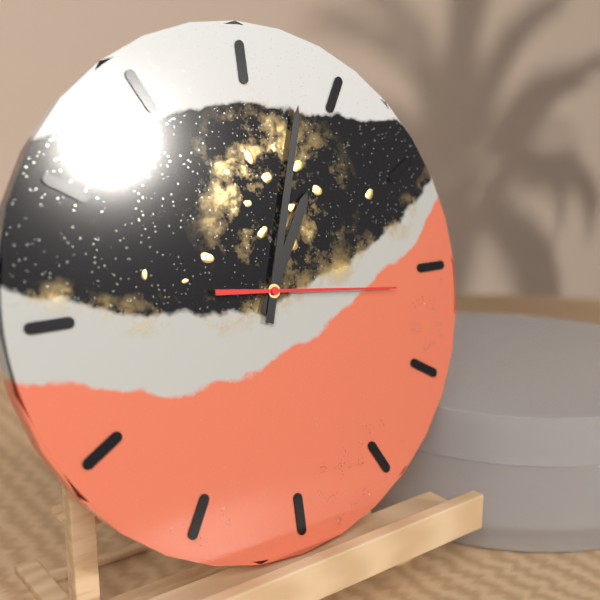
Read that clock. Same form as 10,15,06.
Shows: 1,03,16
